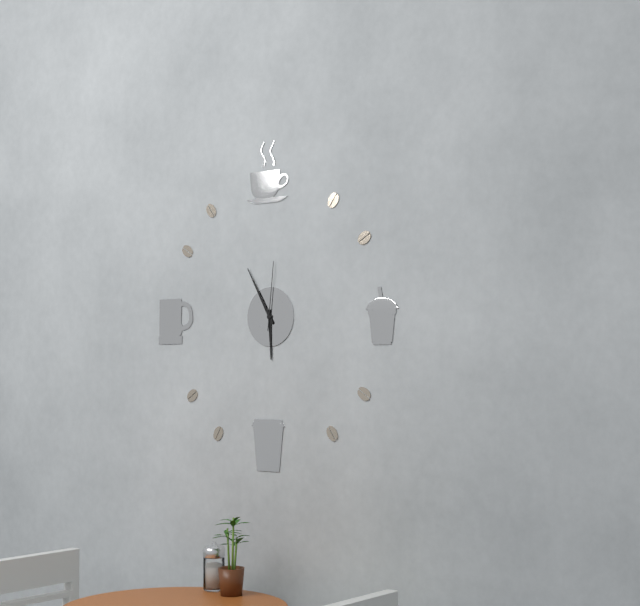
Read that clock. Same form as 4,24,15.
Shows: 5,55,01
